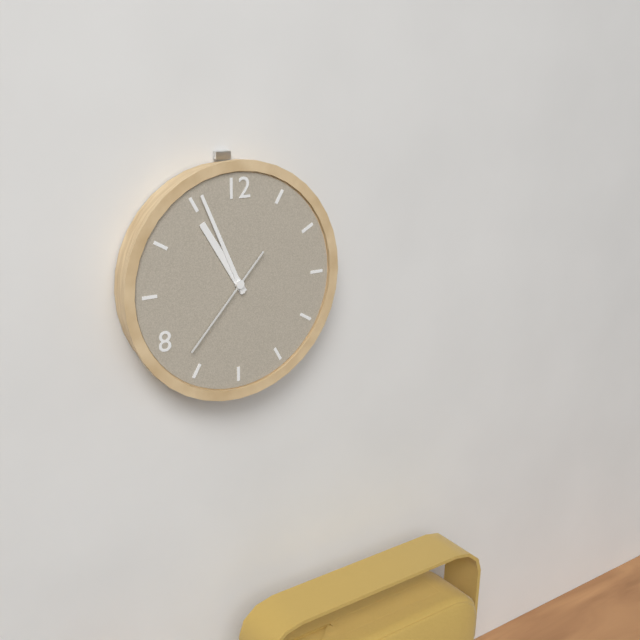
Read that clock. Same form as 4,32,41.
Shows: 10,56,37
